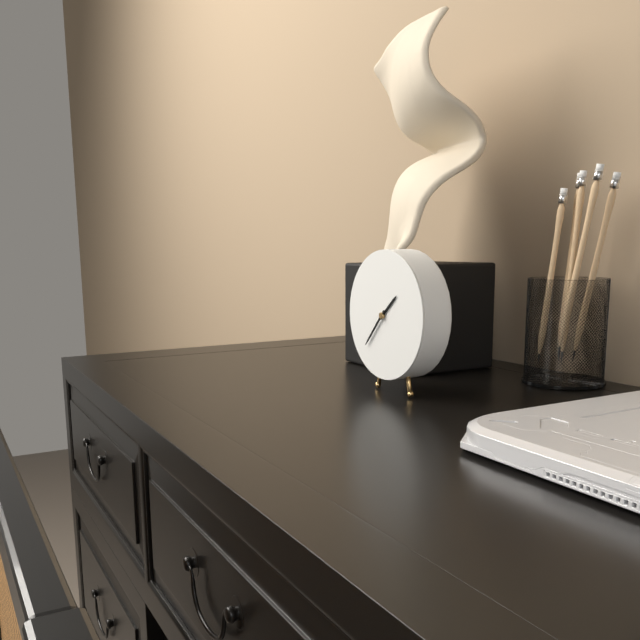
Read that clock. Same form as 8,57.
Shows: 1,37
